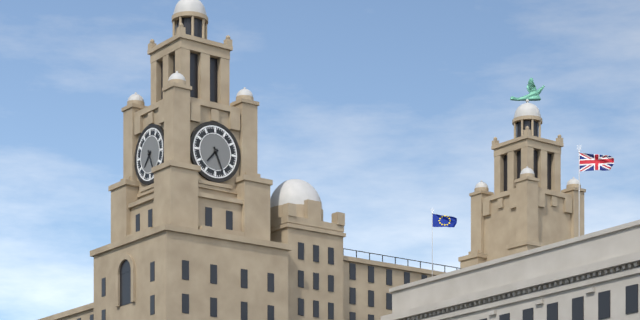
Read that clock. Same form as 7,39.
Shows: 7,26
